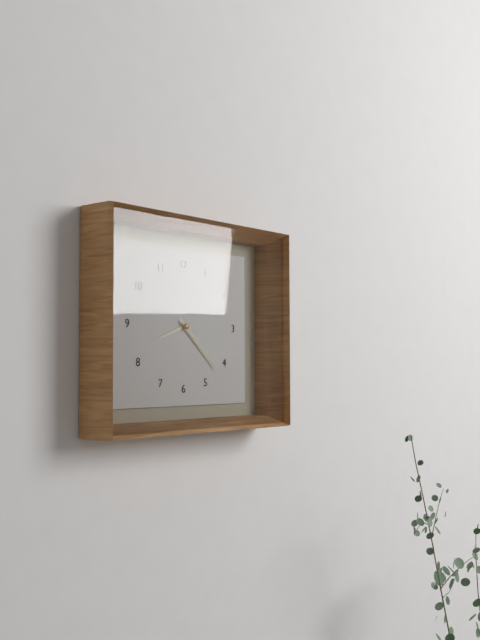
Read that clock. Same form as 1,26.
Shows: 8,22
